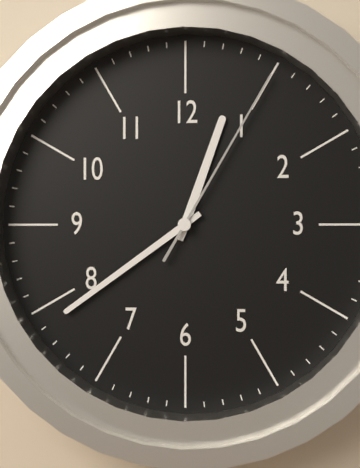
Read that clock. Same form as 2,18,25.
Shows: 12,39,05
